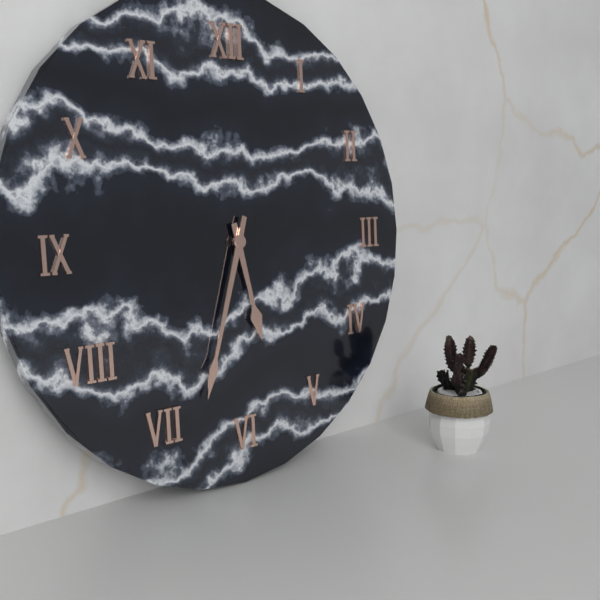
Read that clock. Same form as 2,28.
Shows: 5,33
